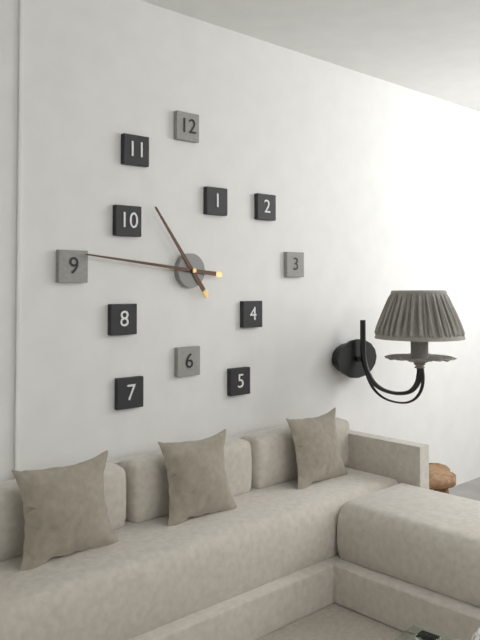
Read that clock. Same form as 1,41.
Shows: 10,46
